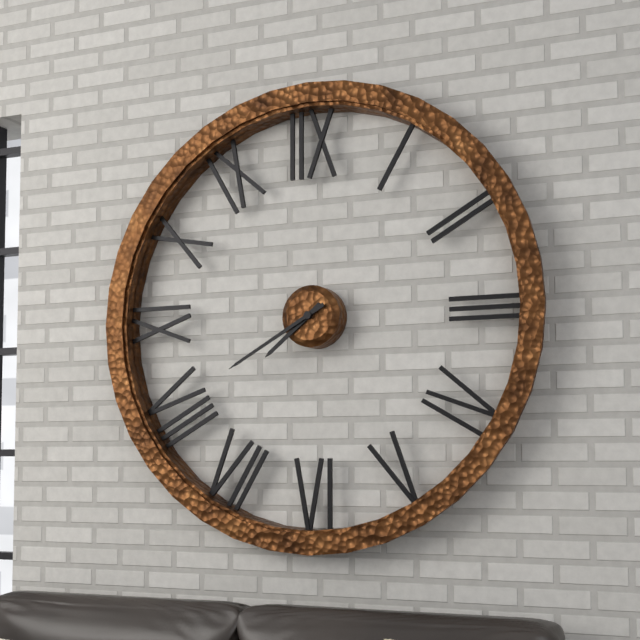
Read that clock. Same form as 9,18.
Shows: 7,40
